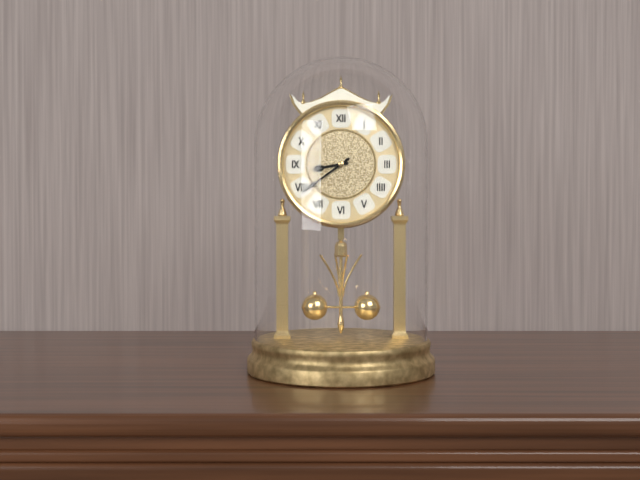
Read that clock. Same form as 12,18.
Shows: 8,39
